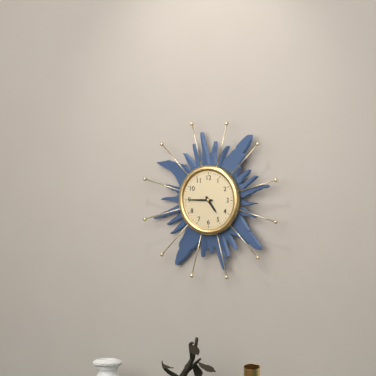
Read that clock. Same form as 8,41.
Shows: 4,45
